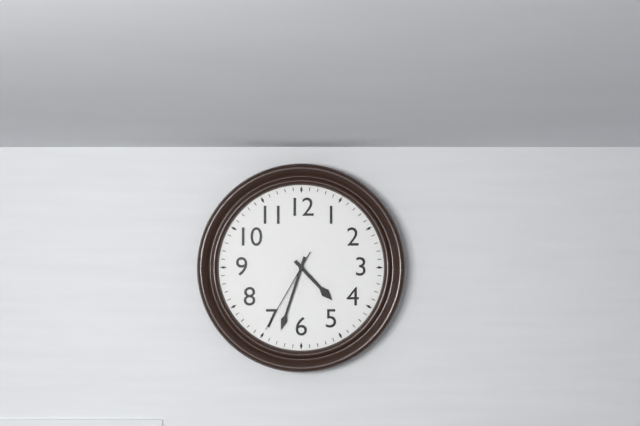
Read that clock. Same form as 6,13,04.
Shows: 4,33,35
